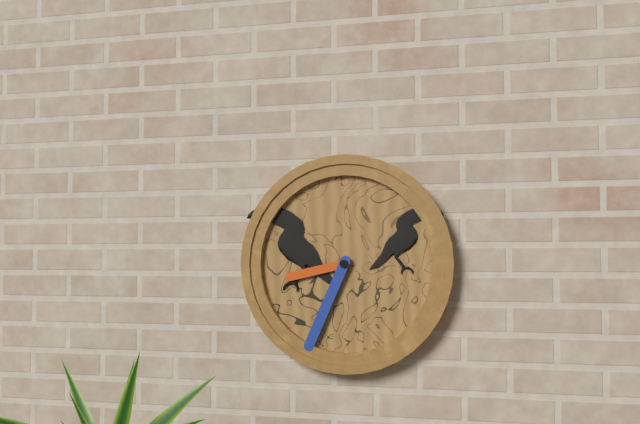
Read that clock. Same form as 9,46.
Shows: 8,34
